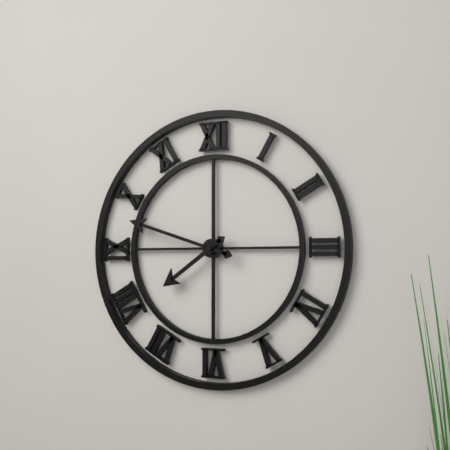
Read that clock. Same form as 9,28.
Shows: 7,48
